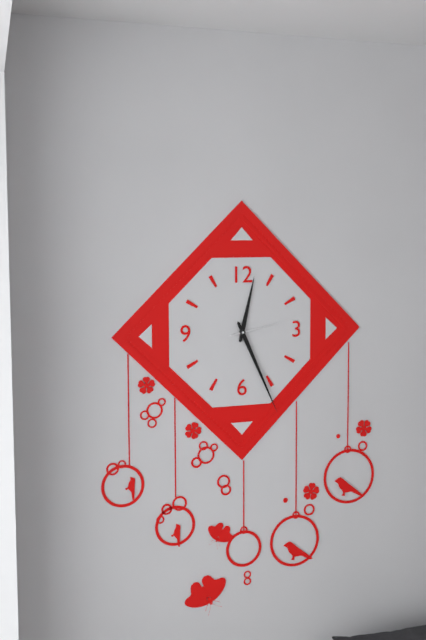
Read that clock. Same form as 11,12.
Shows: 12,26
